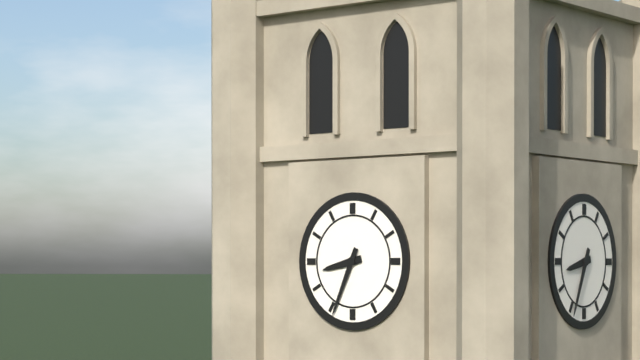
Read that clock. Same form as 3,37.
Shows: 8,34
